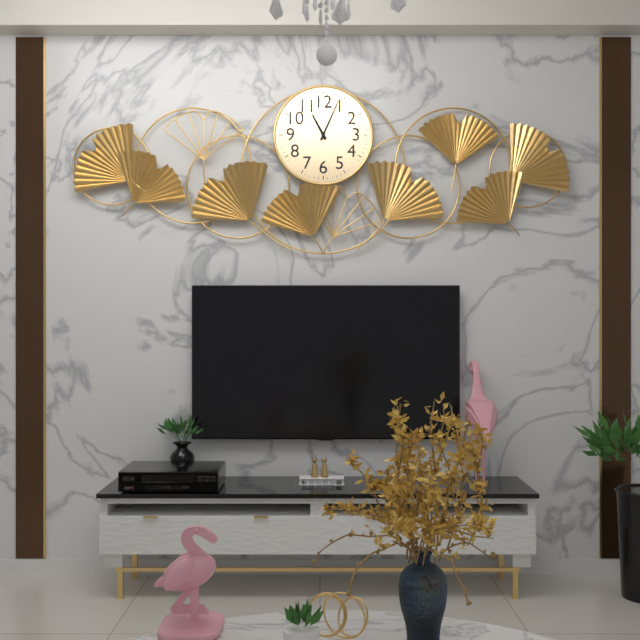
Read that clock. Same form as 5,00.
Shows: 11,04
